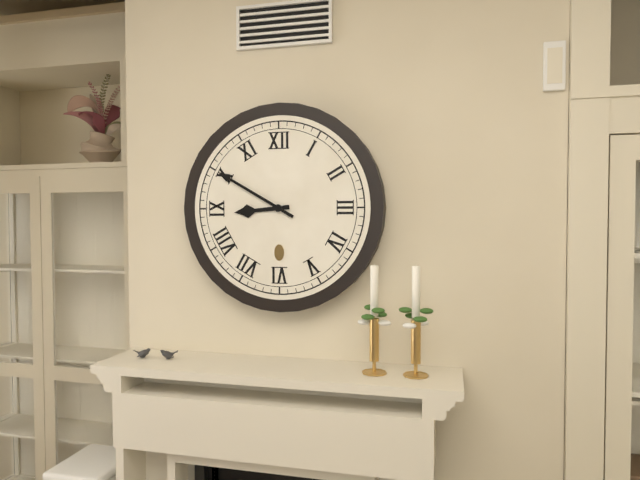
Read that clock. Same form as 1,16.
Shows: 8,50
